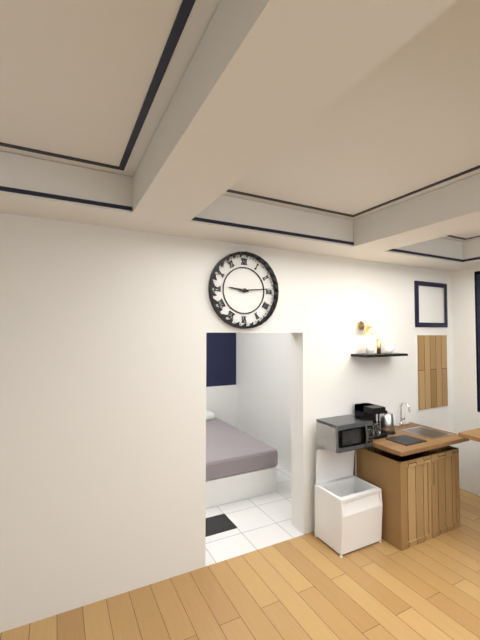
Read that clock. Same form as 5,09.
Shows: 9,14
